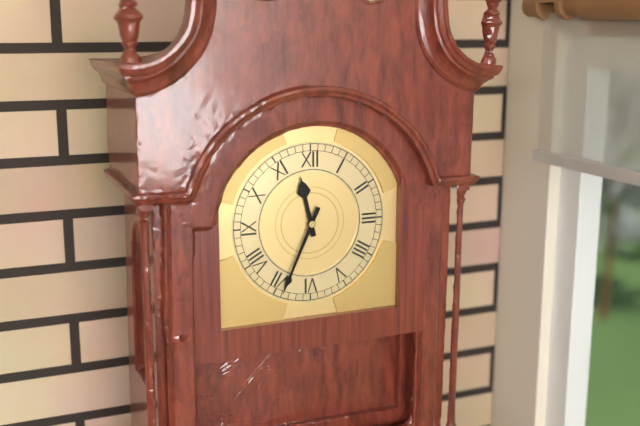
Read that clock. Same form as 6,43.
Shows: 11,34
